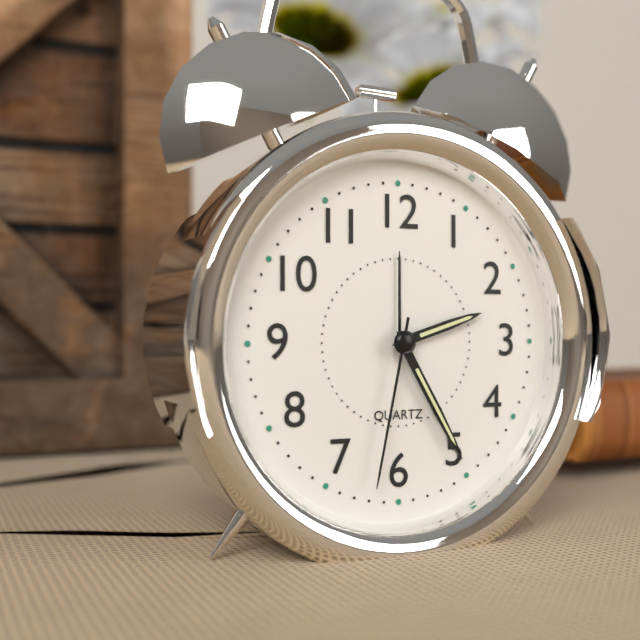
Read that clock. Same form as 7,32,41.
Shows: 2,25,32
